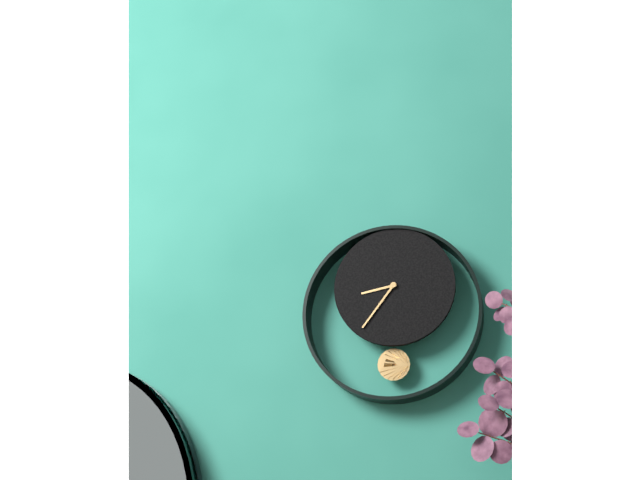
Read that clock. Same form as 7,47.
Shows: 8,36
